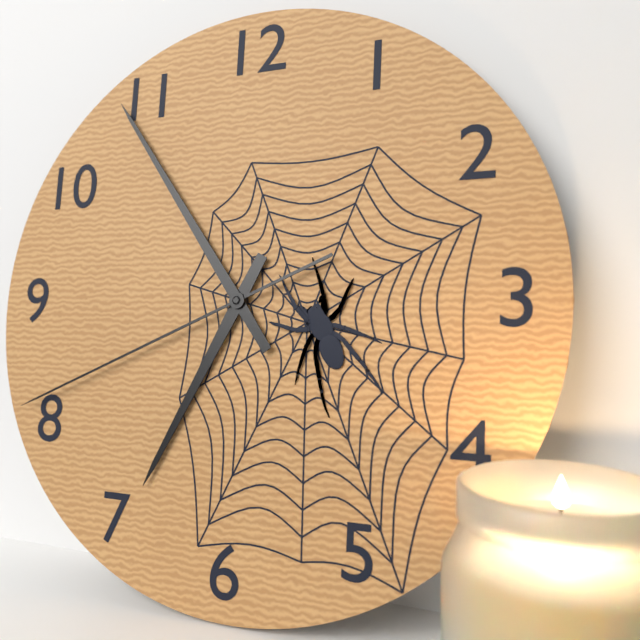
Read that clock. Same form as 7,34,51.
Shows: 6,54,41
